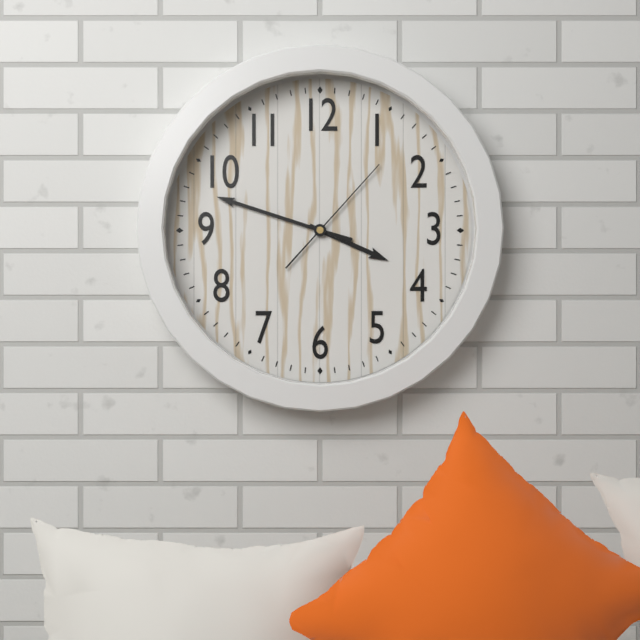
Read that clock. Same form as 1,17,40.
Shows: 3,48,07
